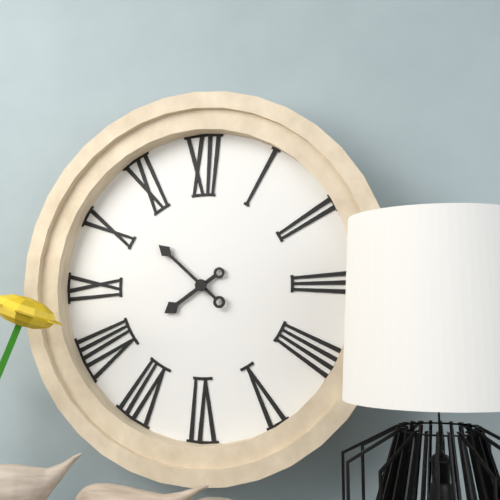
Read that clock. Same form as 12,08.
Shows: 7,52
